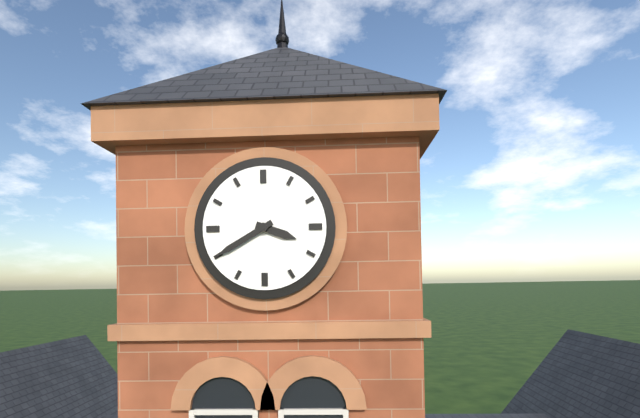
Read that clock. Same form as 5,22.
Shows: 3,40
